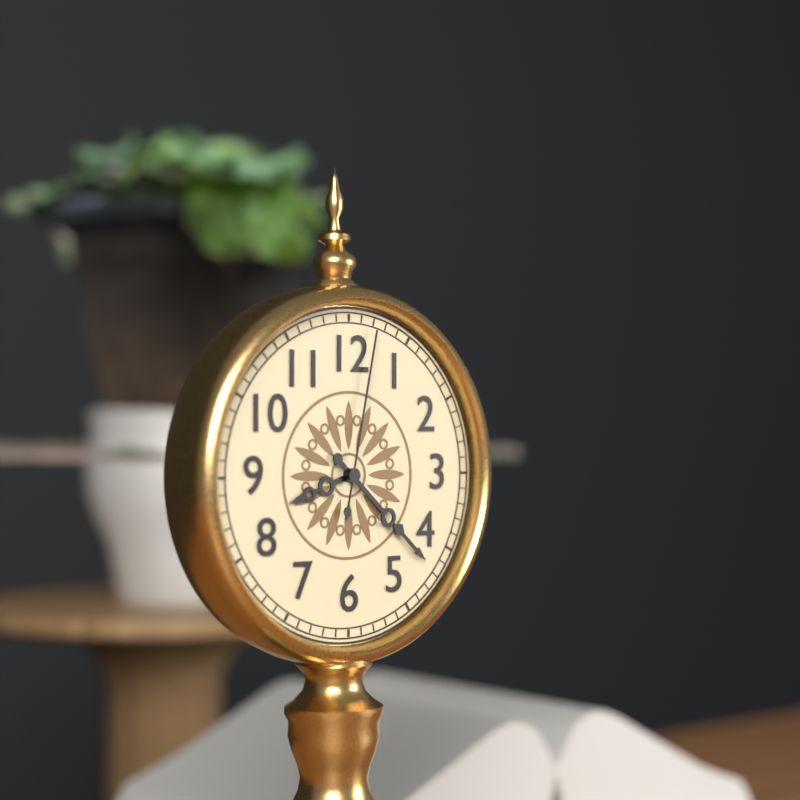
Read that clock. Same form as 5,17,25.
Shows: 8,22,02
